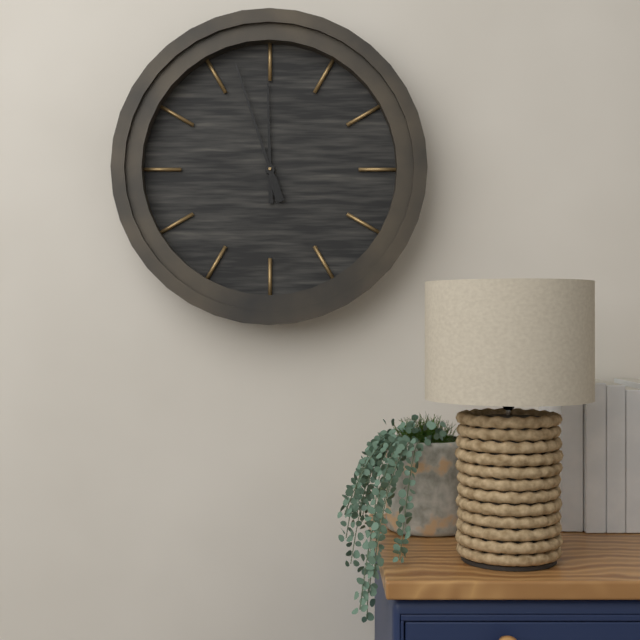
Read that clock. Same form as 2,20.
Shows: 11,57
